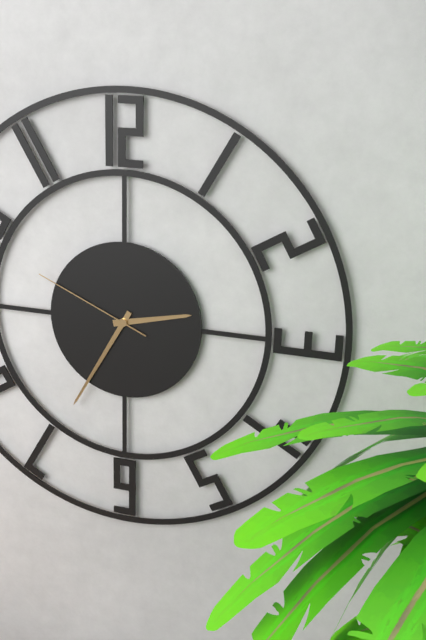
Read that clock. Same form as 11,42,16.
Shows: 2,35,49
